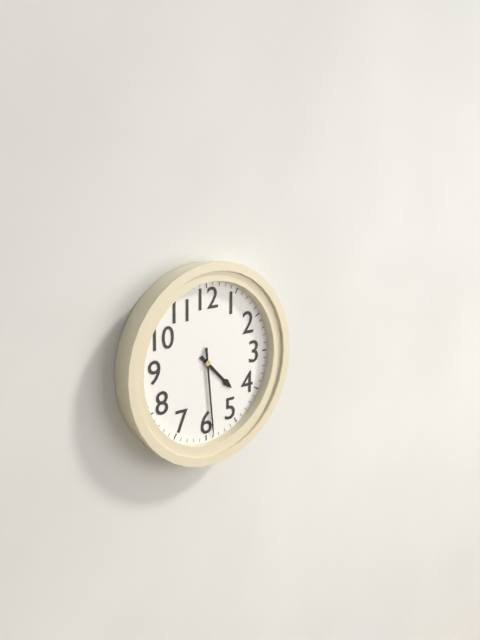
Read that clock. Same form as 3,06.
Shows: 4,29
